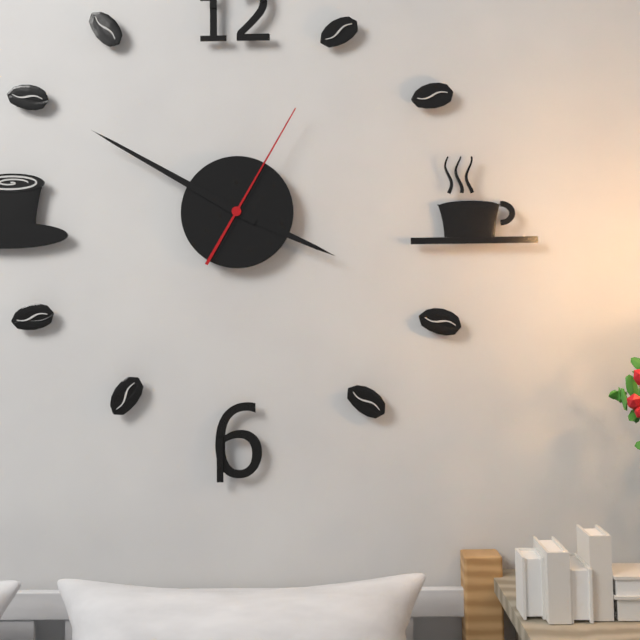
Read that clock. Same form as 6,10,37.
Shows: 3,50,05
